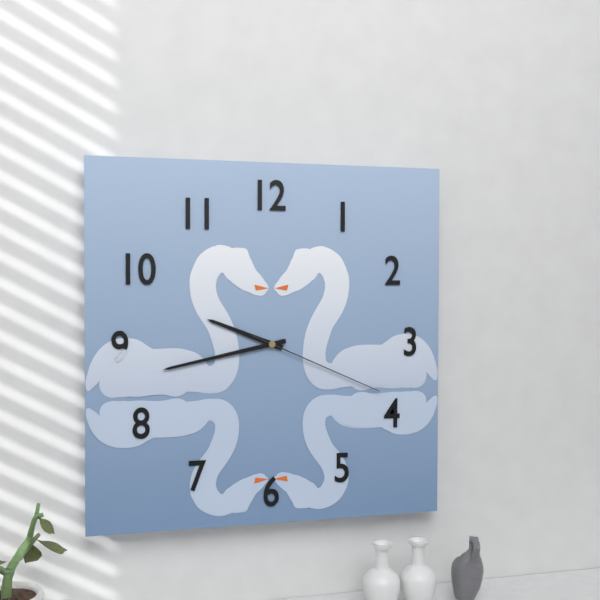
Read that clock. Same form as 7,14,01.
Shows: 9,43,19
